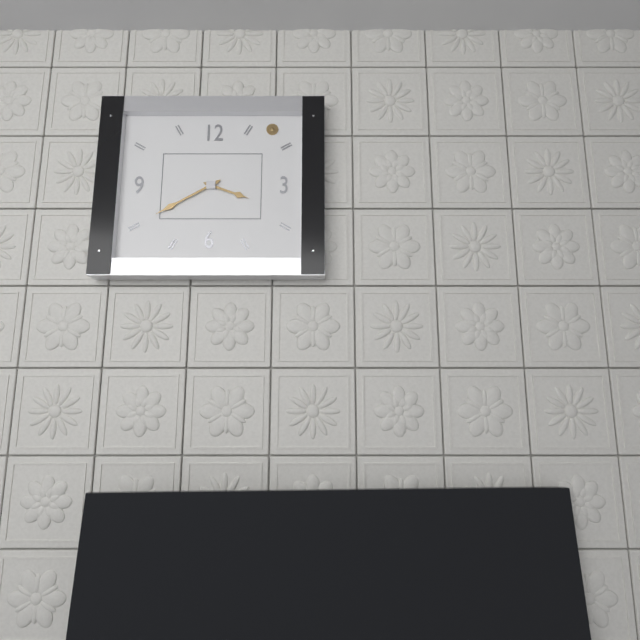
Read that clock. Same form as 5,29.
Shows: 3,40
